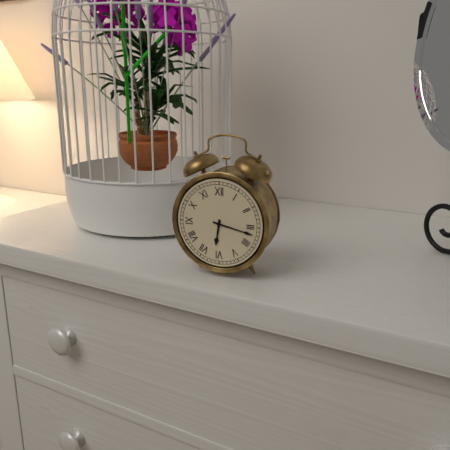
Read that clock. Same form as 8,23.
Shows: 6,17
